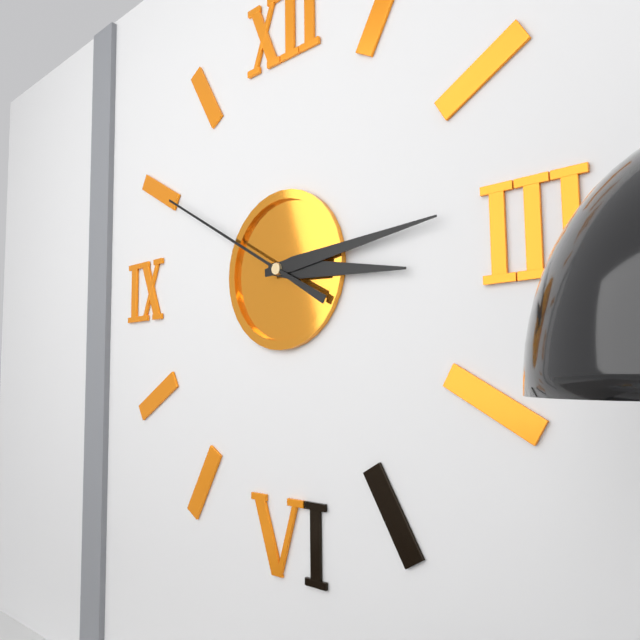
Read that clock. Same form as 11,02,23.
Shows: 3,14,50
